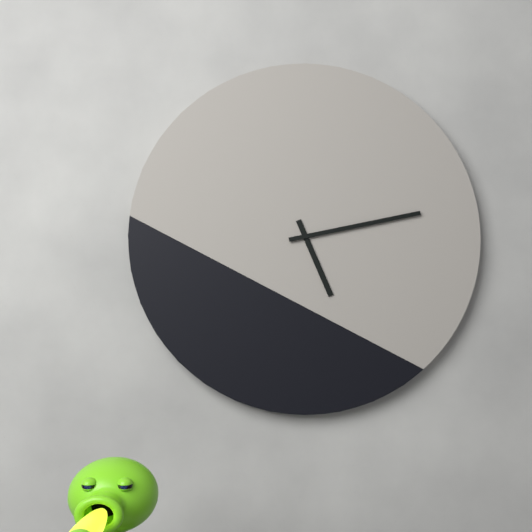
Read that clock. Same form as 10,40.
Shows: 5,13
